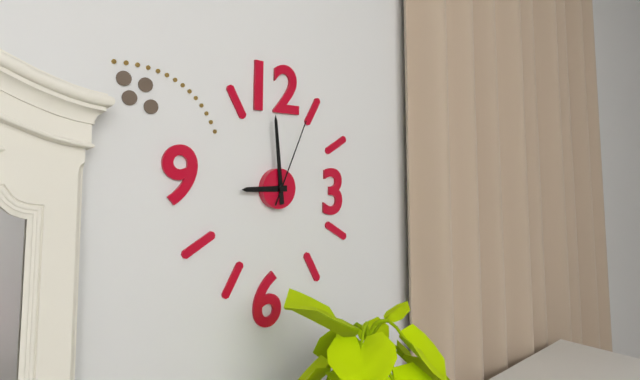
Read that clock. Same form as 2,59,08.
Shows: 8,59,04
